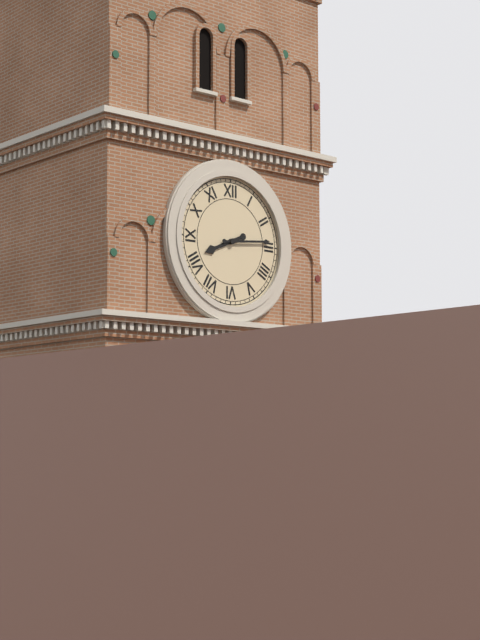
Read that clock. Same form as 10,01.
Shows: 8,14
